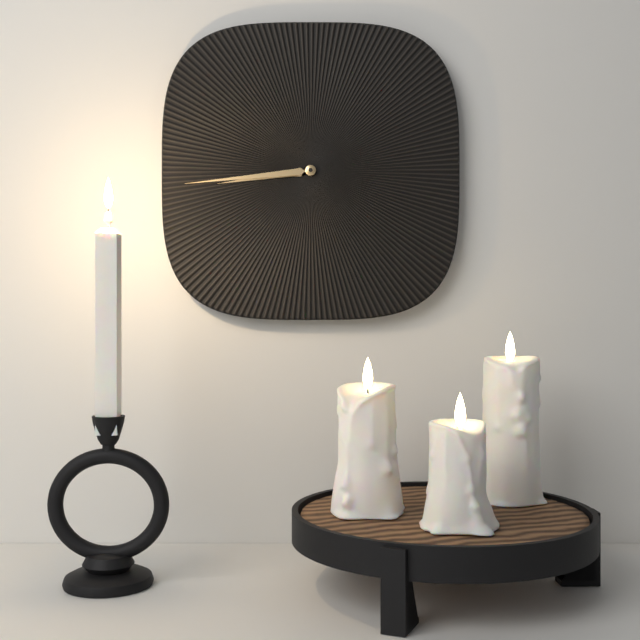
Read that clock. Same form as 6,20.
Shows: 8,44
